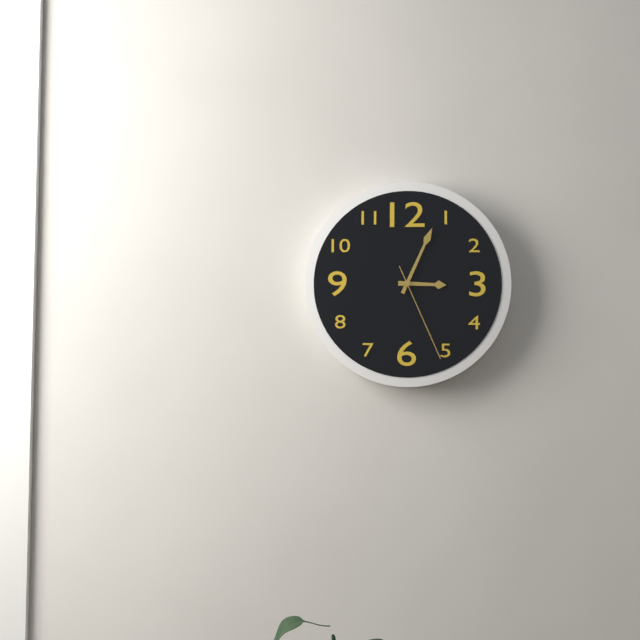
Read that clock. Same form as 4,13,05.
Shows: 3,04,26
